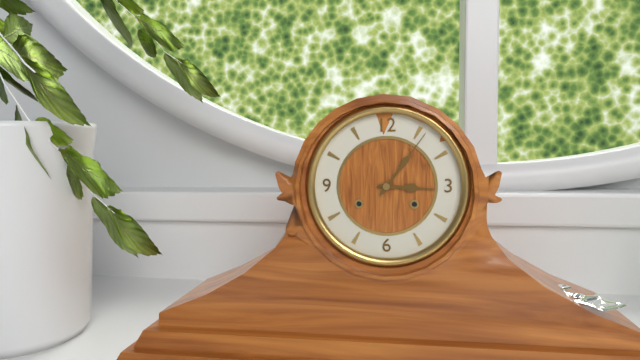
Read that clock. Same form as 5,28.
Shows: 3,06
